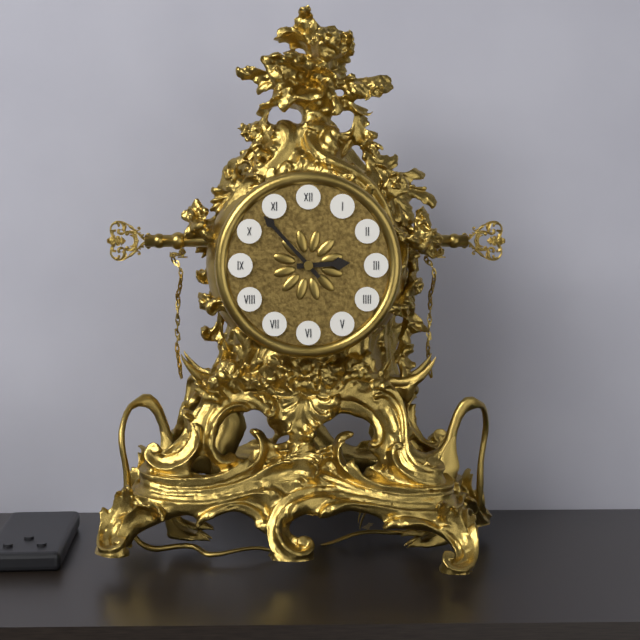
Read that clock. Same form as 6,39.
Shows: 2,53
